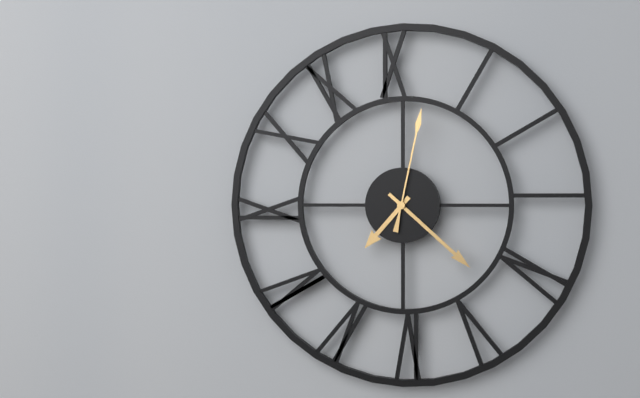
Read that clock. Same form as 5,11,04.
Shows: 7,22,02
